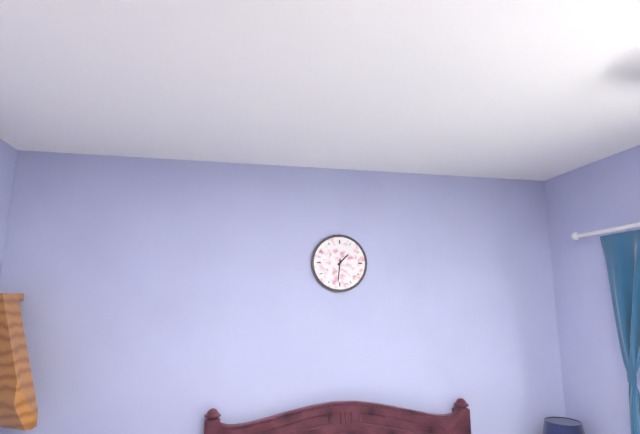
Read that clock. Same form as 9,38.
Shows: 1,31
